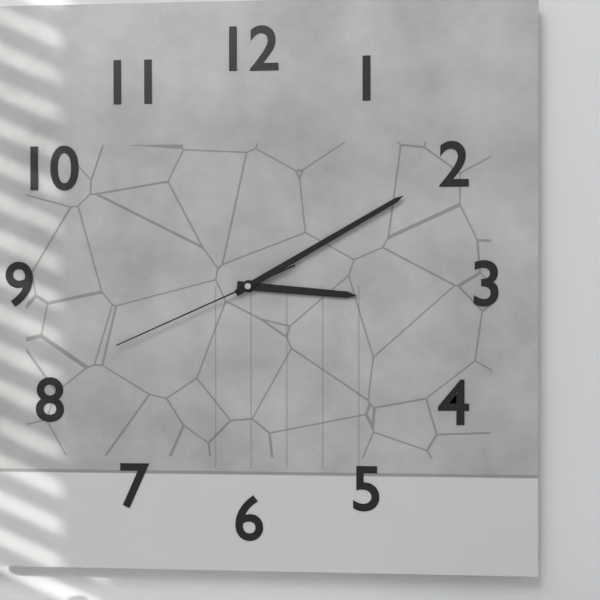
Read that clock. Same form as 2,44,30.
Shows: 3,10,41
